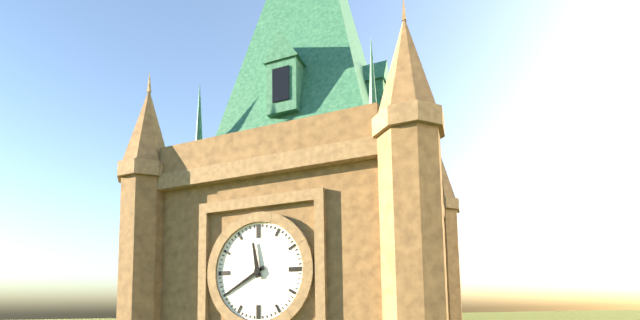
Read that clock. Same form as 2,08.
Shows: 11,40
